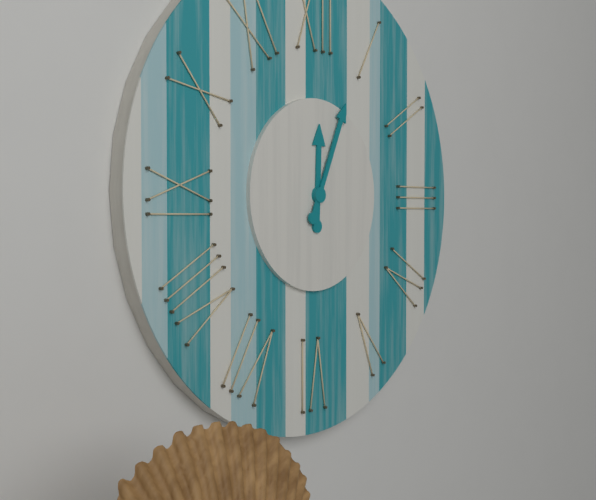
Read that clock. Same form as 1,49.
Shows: 12,04
